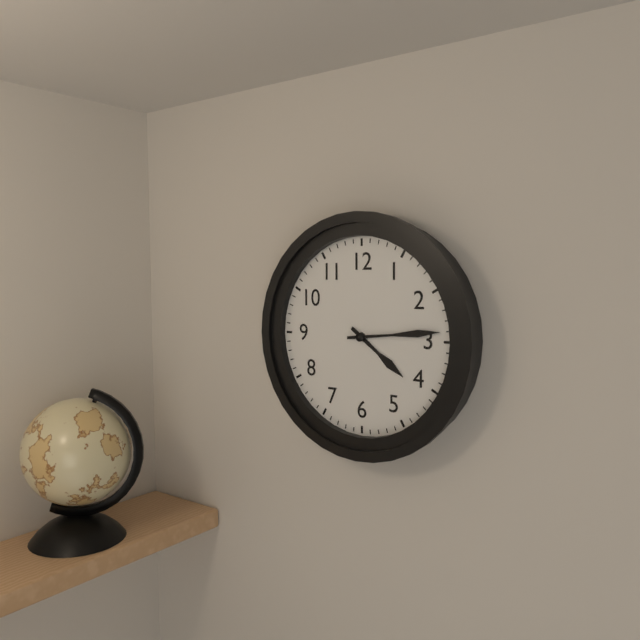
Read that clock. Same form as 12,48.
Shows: 4,14
